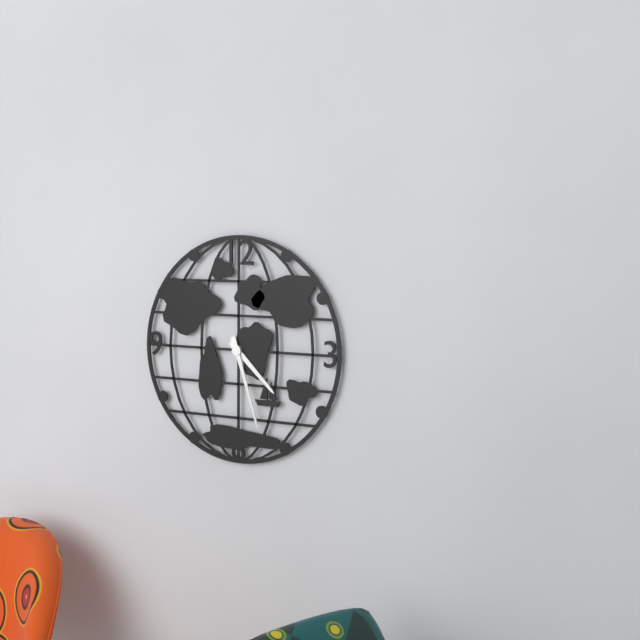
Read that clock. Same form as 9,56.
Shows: 4,27
